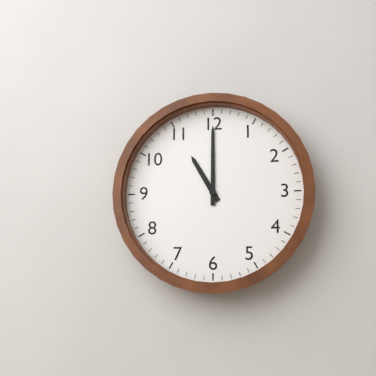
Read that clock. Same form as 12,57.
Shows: 11,00
